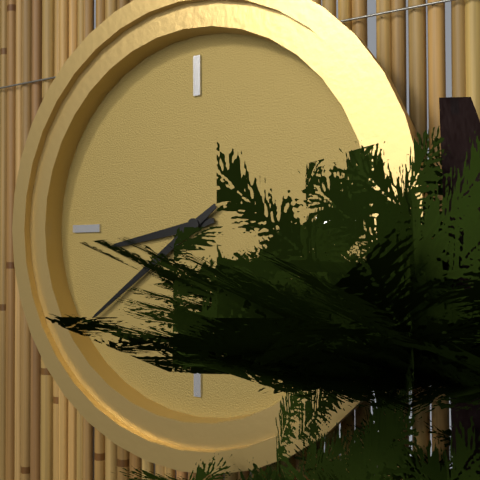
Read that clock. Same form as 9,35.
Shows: 8,39
